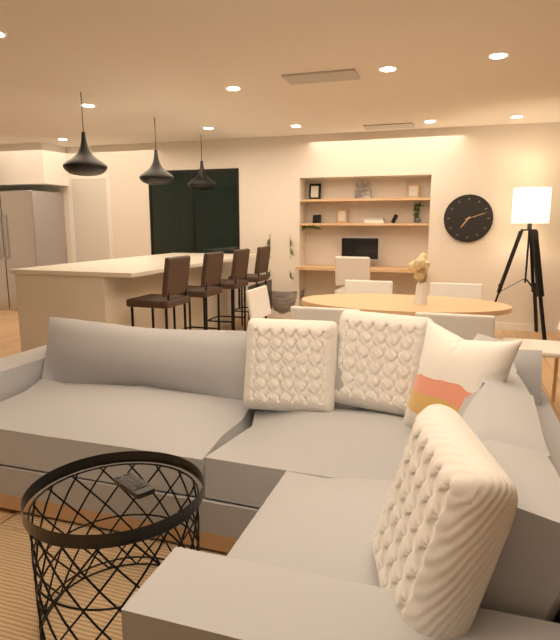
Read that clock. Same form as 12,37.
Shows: 7,12
